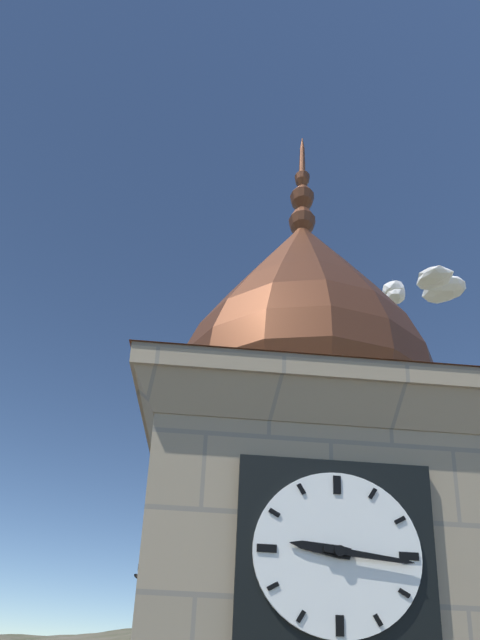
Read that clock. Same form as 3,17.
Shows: 9,16
